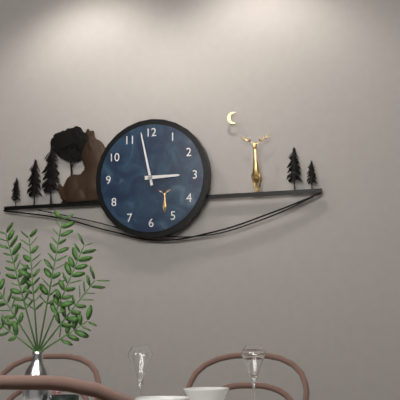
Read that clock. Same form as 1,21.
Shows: 2,58
